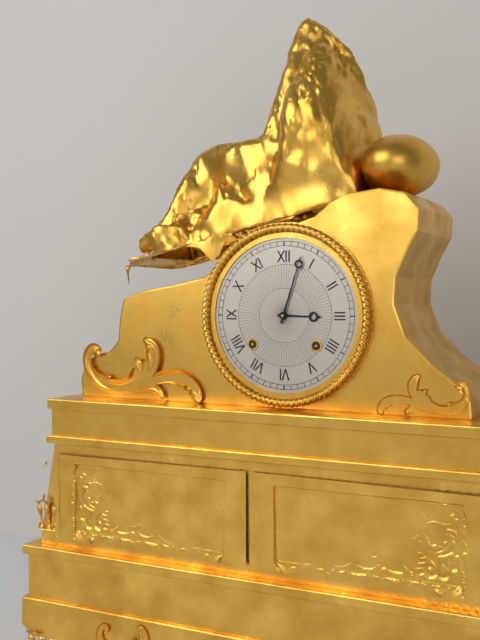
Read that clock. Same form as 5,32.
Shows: 3,03
